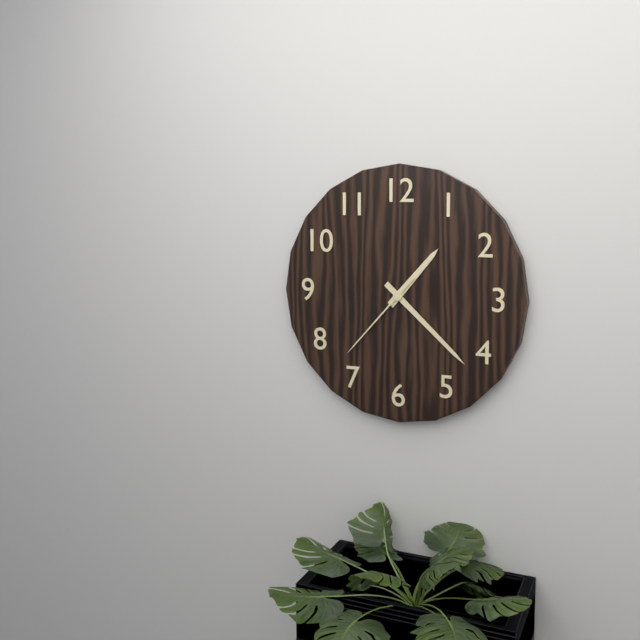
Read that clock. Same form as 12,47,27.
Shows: 1,22,37
